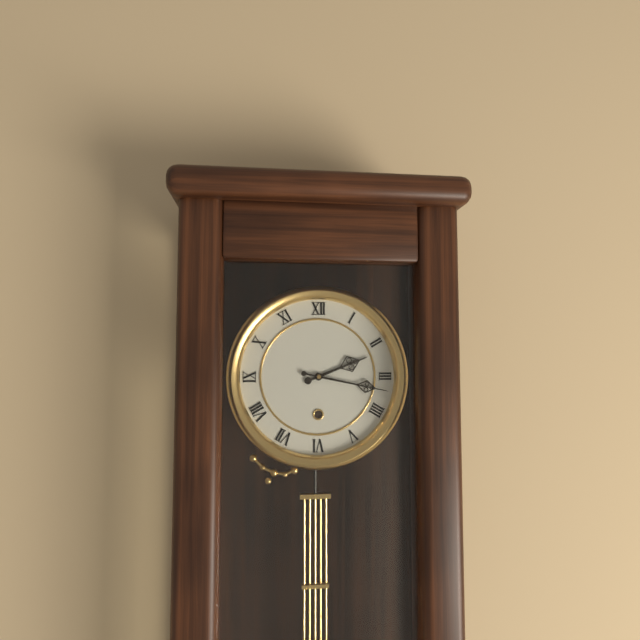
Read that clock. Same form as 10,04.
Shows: 2,17
